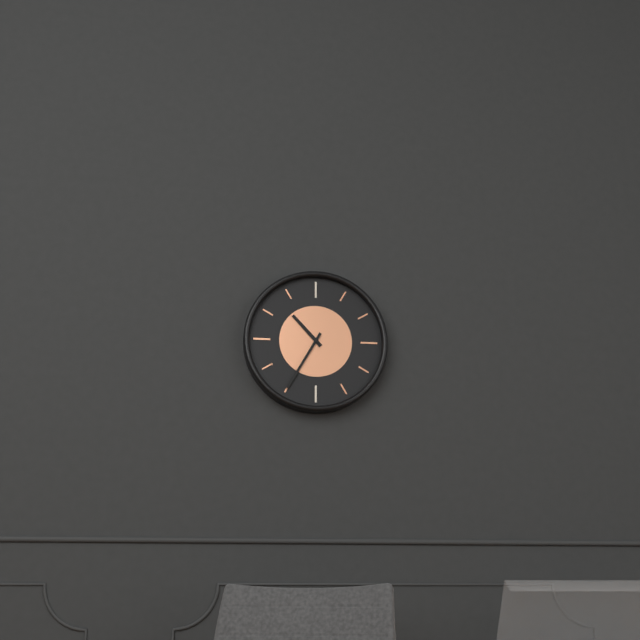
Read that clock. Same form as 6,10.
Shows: 10,35
